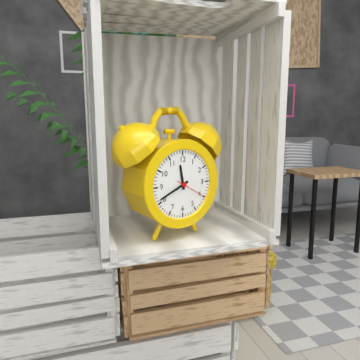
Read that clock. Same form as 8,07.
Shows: 11,41
